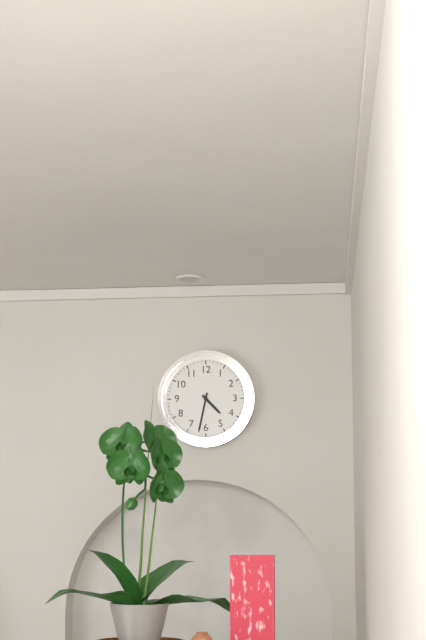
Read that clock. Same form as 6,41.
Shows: 4,32
